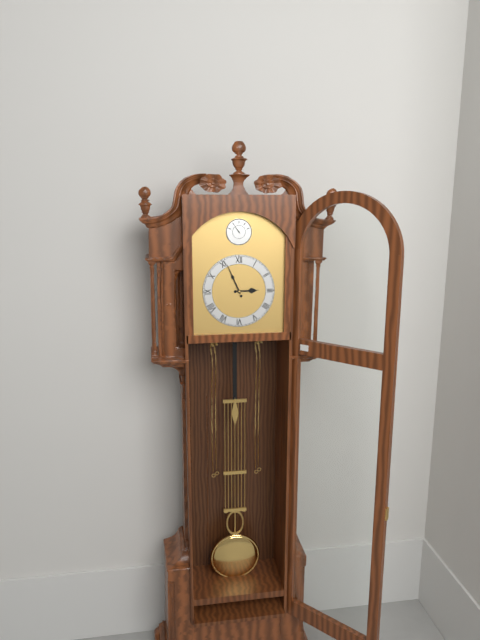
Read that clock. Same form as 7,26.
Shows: 2,56
